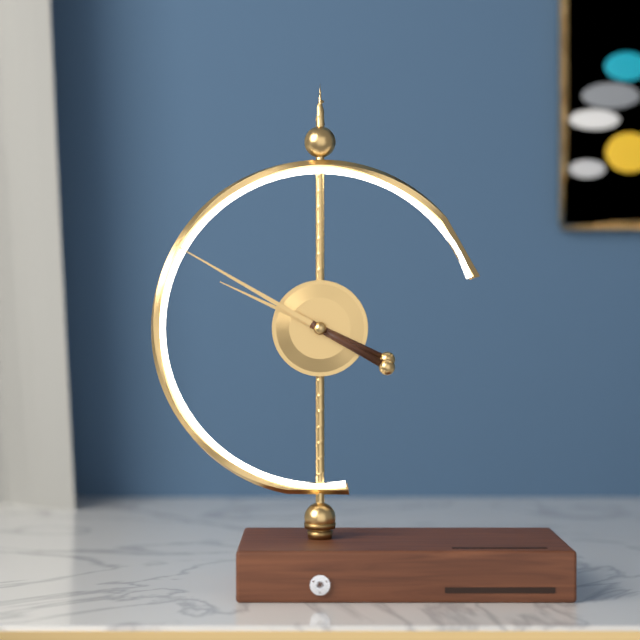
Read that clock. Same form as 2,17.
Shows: 9,50
